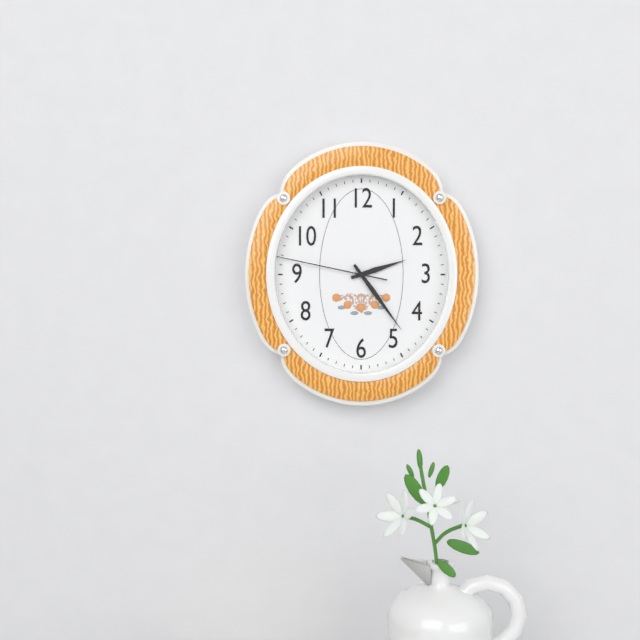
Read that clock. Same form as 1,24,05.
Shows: 2,24,47
